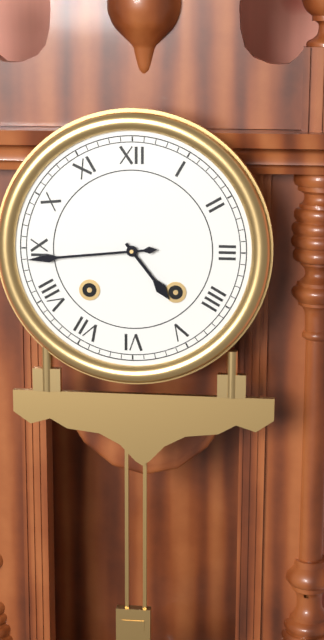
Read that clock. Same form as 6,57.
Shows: 4,44
